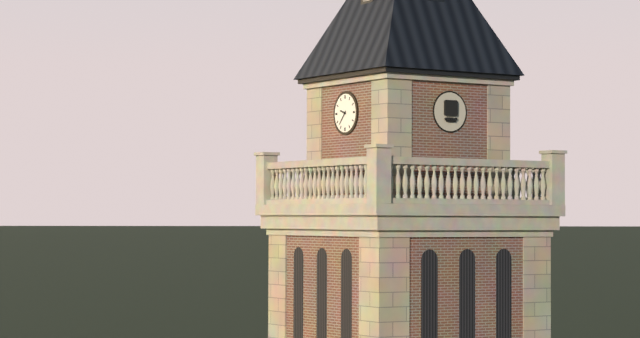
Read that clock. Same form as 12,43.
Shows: 9,37
